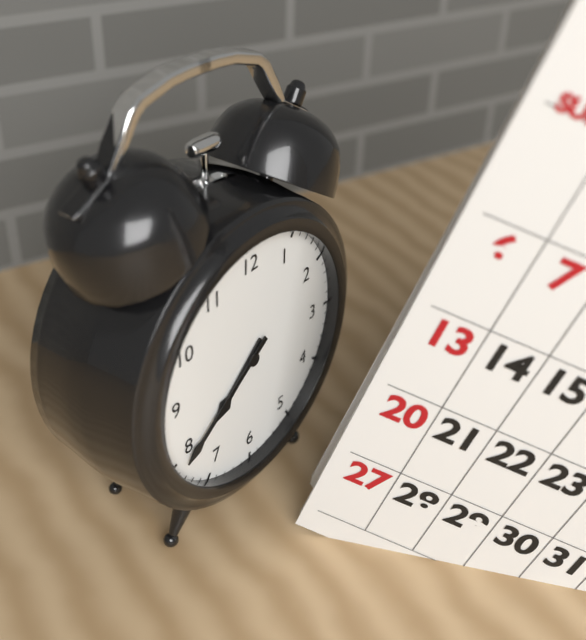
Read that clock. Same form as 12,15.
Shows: 7,39
